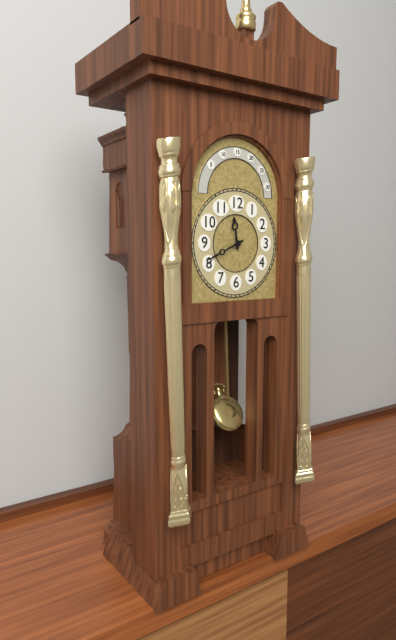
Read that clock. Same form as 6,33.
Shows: 11,41
